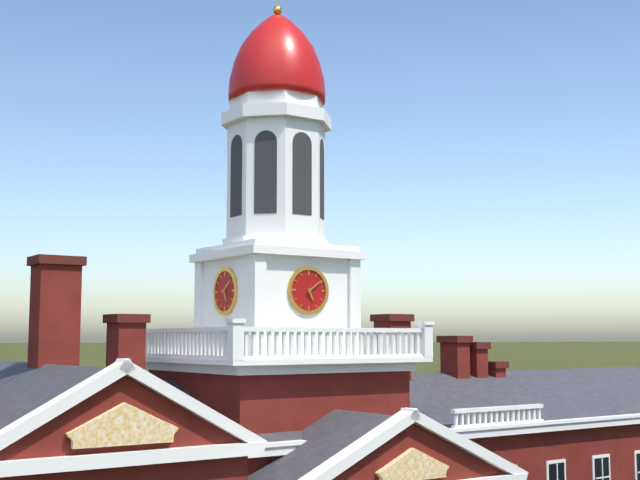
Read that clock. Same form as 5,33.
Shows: 5,09
